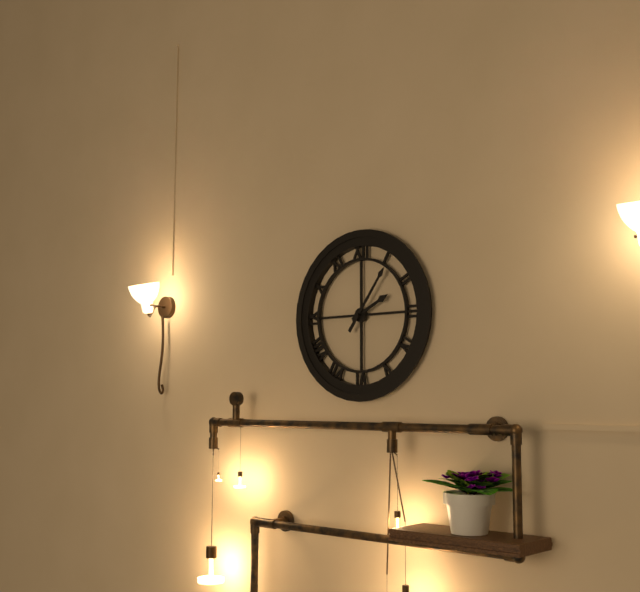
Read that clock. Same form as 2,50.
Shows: 2,06
